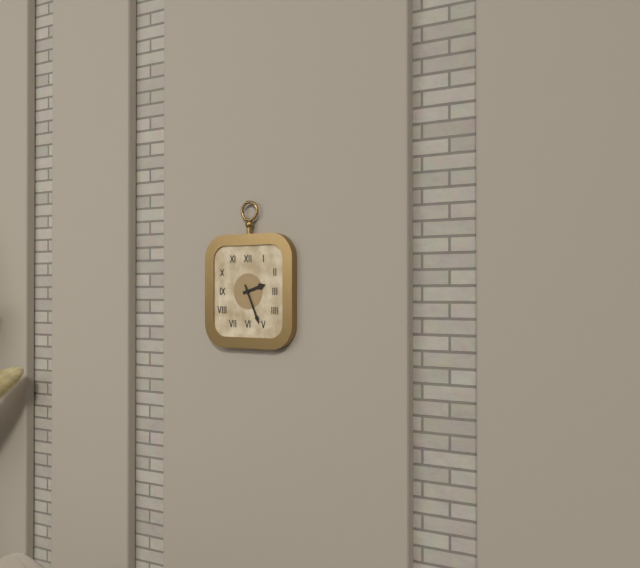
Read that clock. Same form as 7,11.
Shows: 2,26
